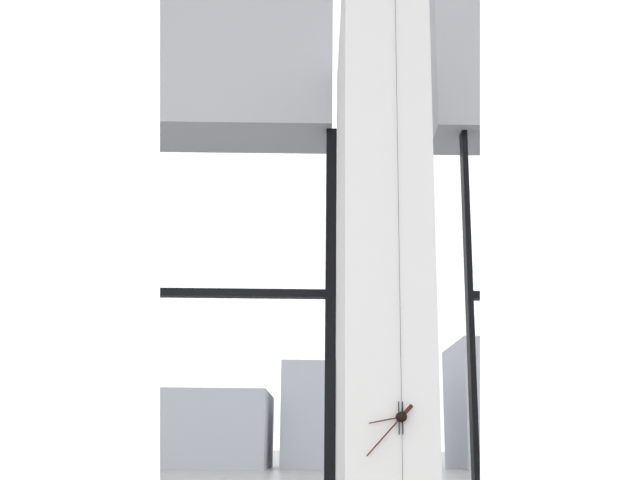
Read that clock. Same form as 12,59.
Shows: 8,37
